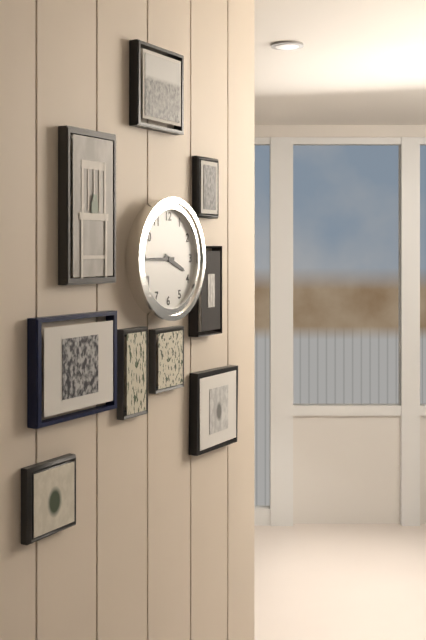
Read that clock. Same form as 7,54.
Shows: 3,45
